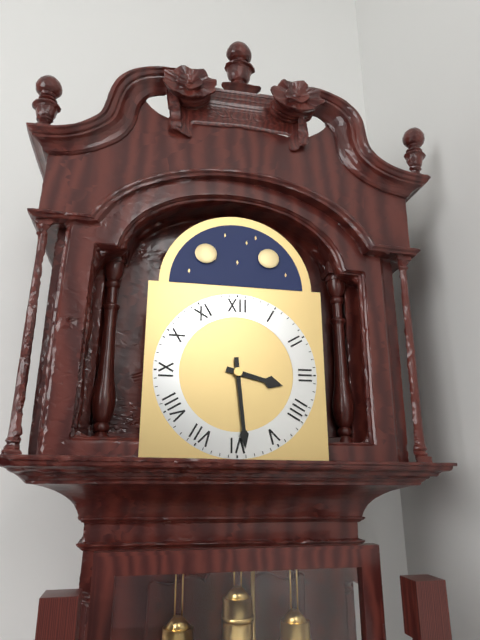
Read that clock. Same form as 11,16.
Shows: 3,29
